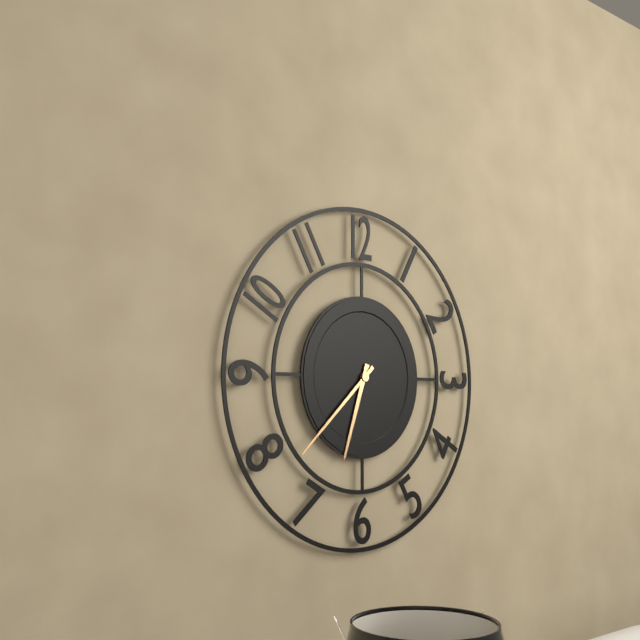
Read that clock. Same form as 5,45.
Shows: 6,38
